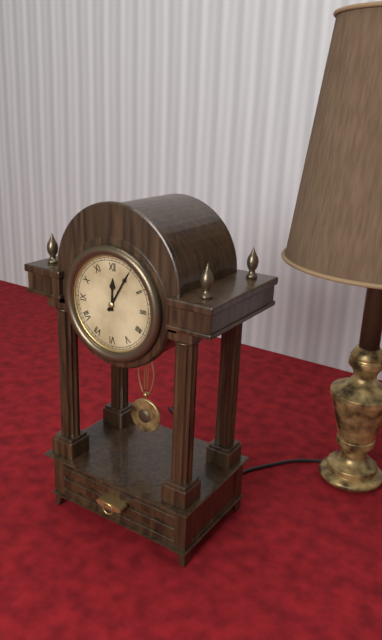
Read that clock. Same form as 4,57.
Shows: 12,05
